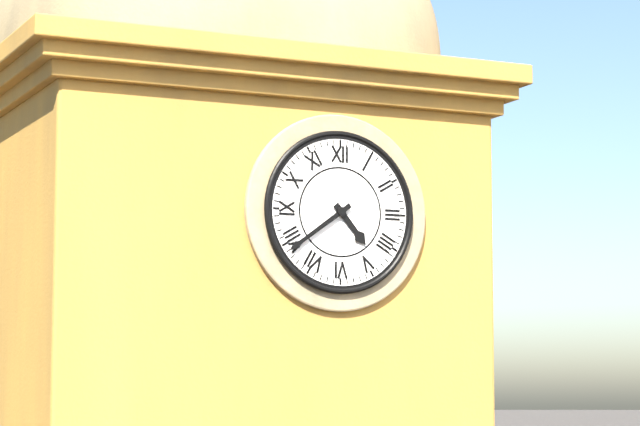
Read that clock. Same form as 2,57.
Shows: 4,39
